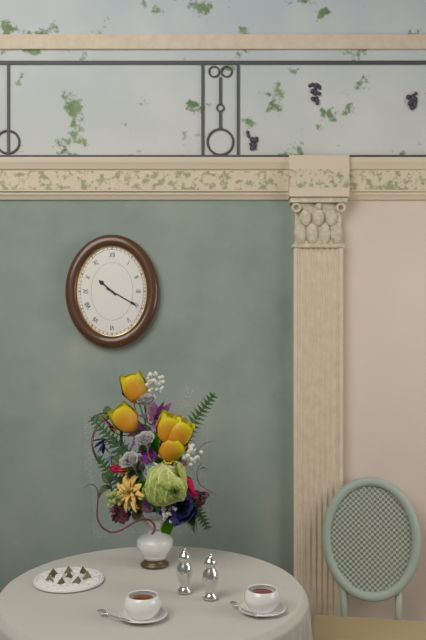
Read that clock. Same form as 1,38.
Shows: 10,20
